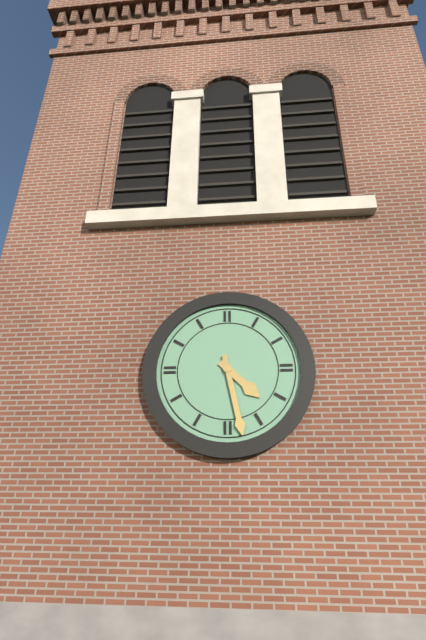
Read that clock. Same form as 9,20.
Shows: 4,28
